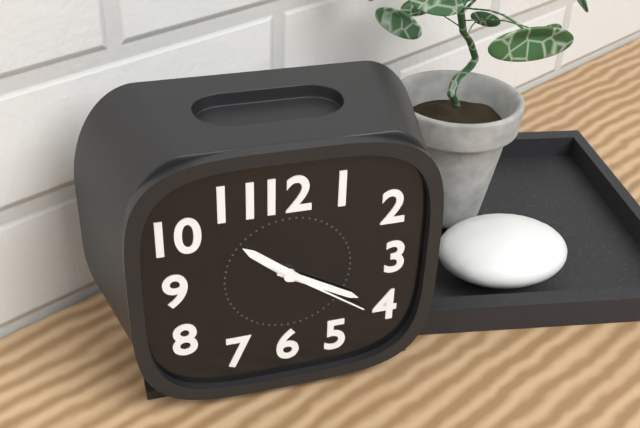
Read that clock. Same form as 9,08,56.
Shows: 10,20,21
